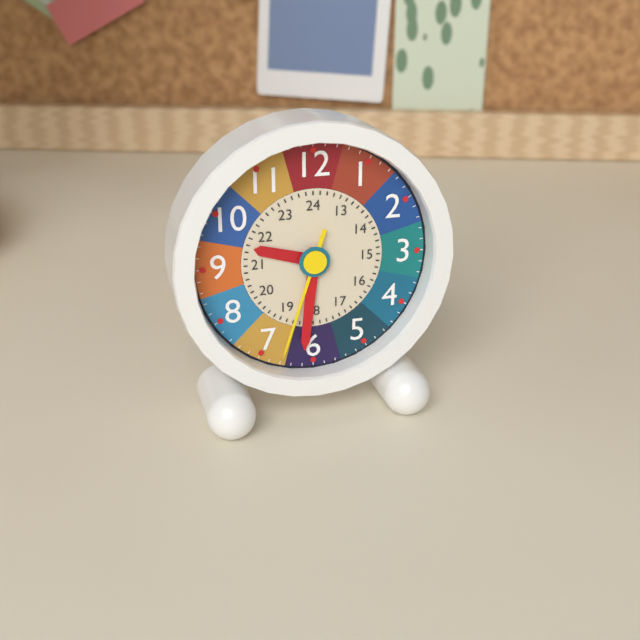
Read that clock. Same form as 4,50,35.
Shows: 9,31,33
